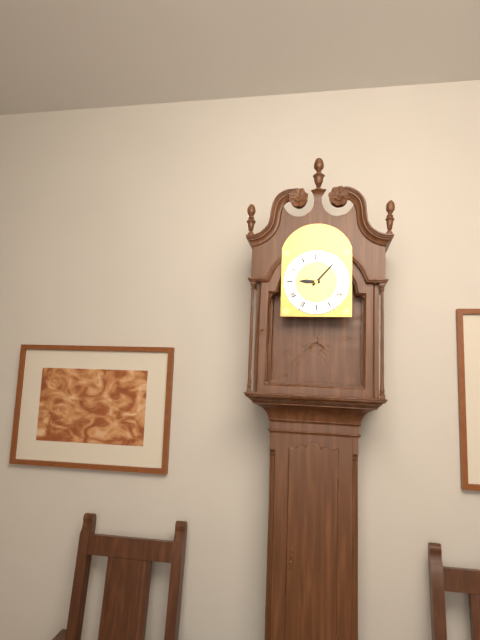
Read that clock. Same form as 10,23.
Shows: 9,07
